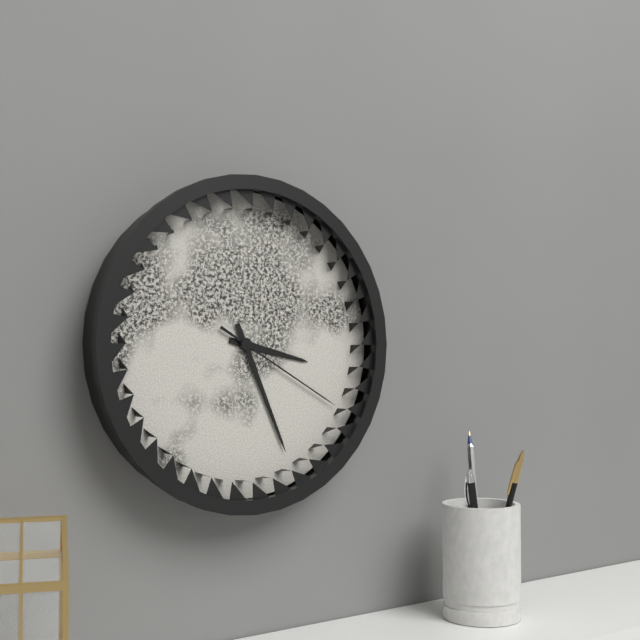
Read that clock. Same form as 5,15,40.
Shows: 3,26,20
